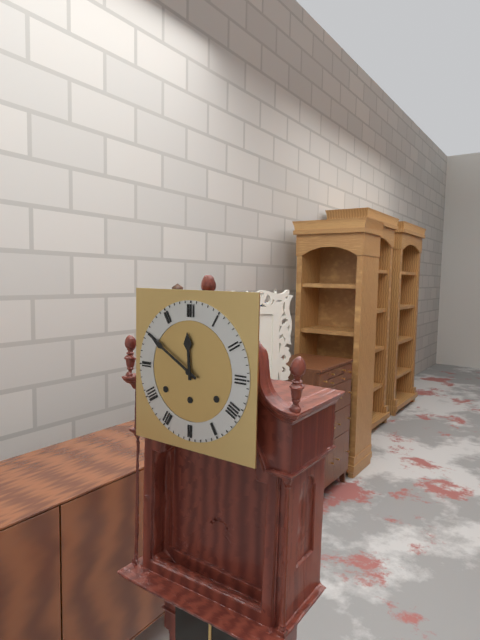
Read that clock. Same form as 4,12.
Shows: 11,50
